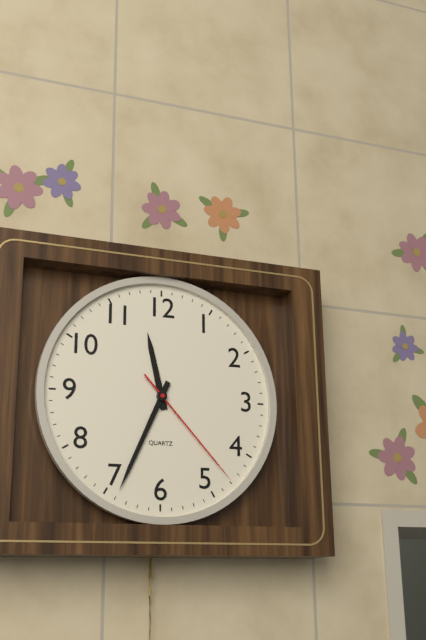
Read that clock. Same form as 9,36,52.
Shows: 11,34,23
